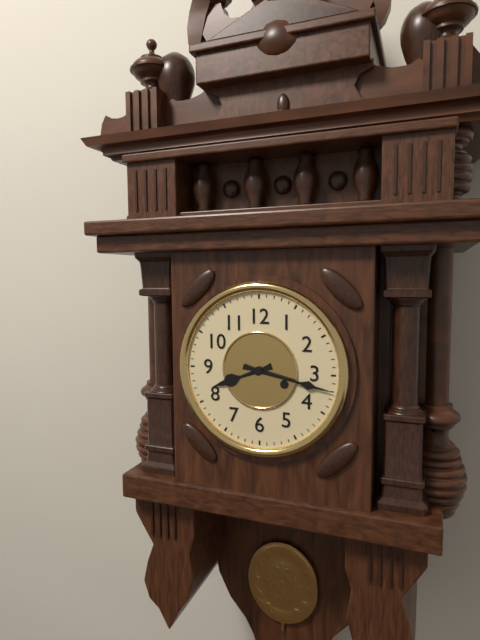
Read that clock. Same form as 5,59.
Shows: 8,17
